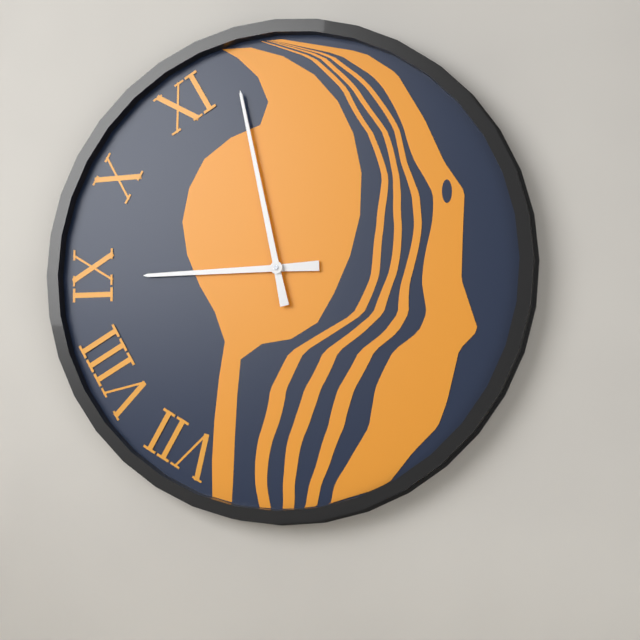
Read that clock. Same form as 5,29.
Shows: 8,58
